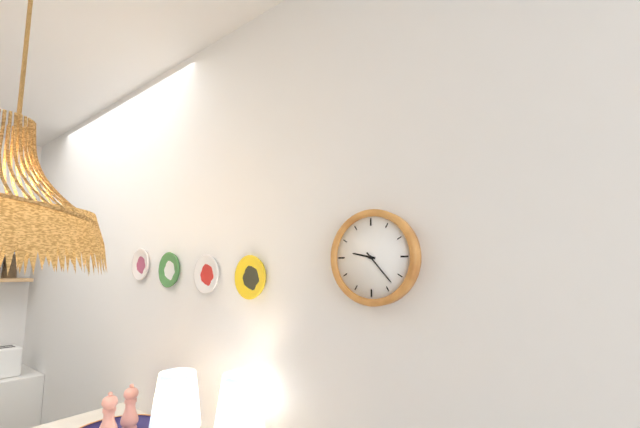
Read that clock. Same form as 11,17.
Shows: 9,23
